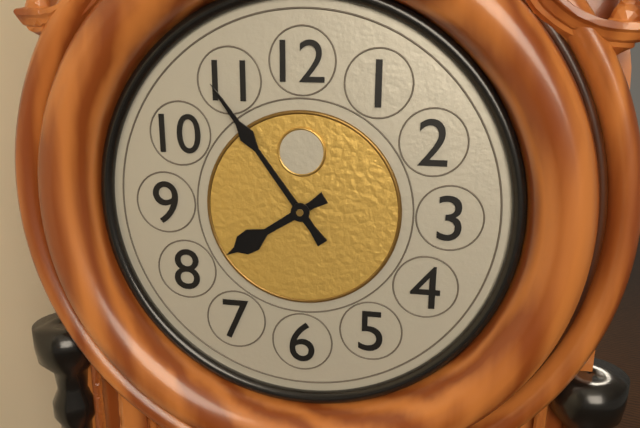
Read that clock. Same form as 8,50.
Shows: 7,54
